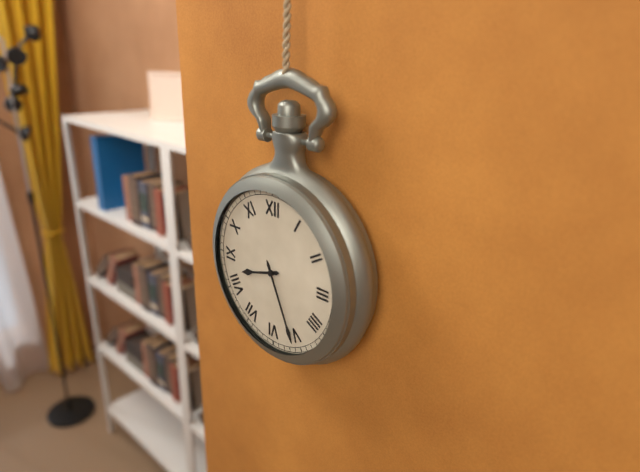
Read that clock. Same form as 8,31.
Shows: 8,26
